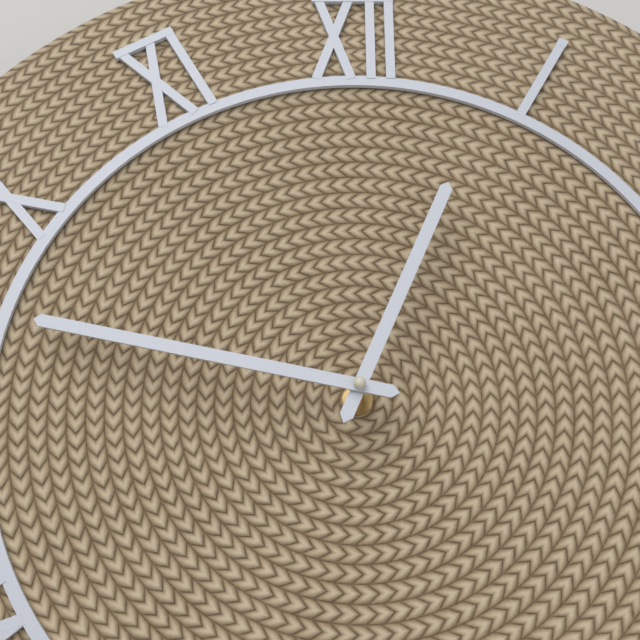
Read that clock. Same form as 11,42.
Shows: 12,47
